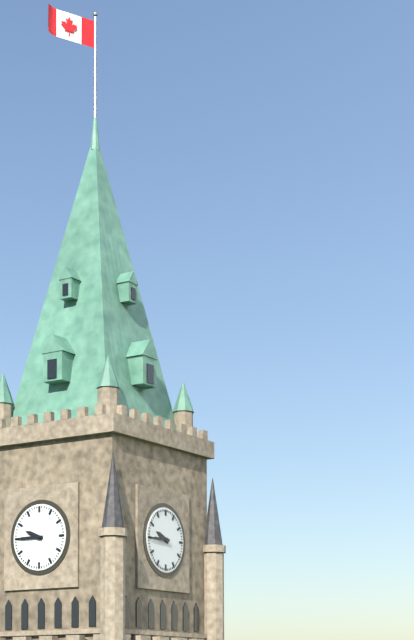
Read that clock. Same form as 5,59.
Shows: 9,45
